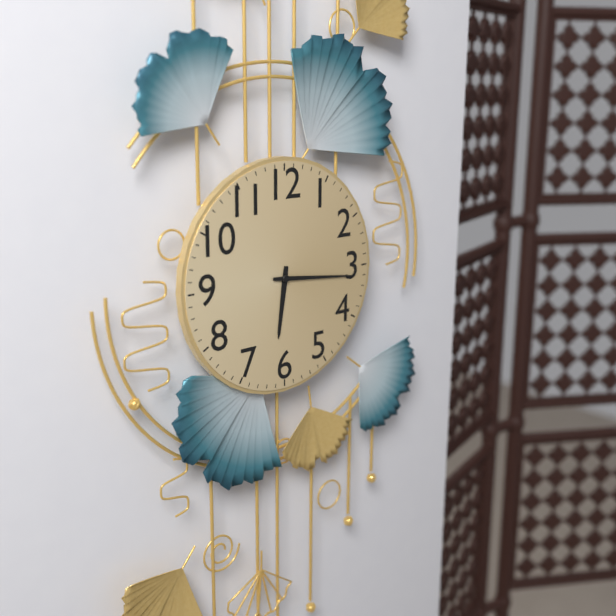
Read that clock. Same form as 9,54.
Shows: 6,16
